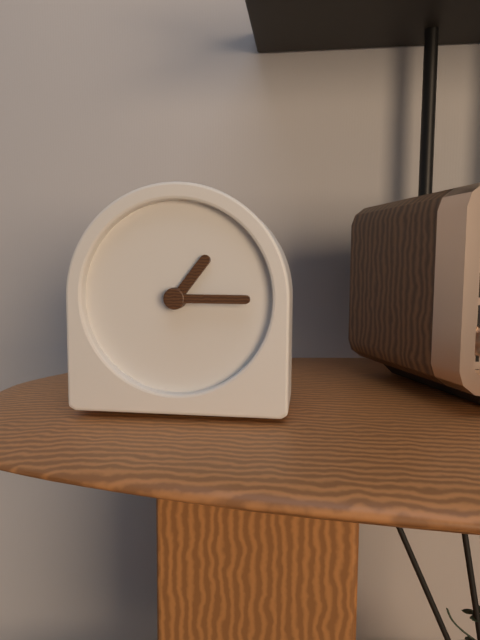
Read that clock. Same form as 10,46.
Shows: 1,15
